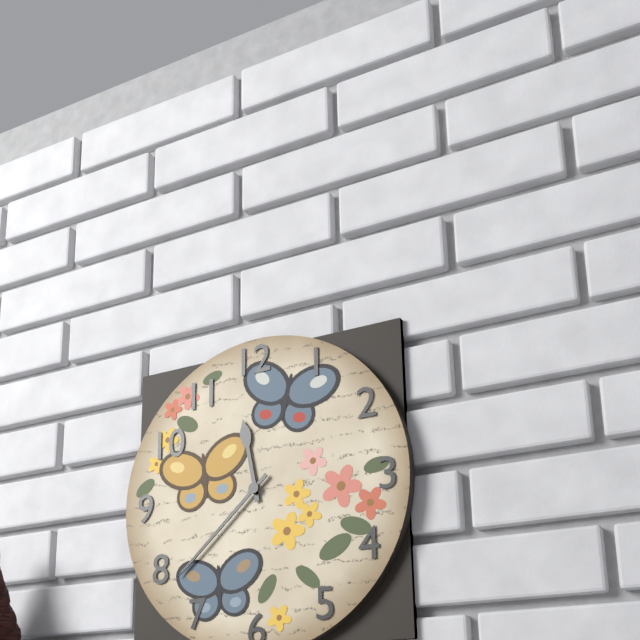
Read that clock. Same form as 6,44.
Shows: 11,38
